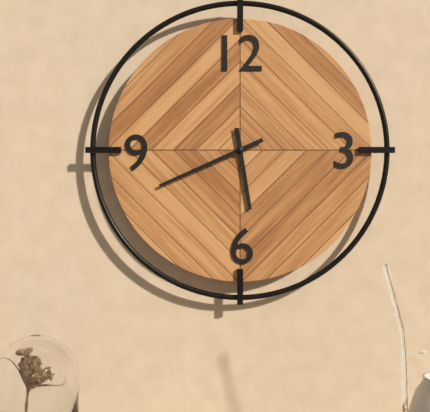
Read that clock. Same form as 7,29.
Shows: 5,41
